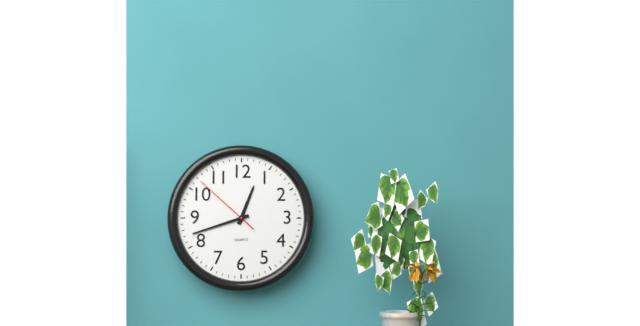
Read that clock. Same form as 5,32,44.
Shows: 12,42,52
